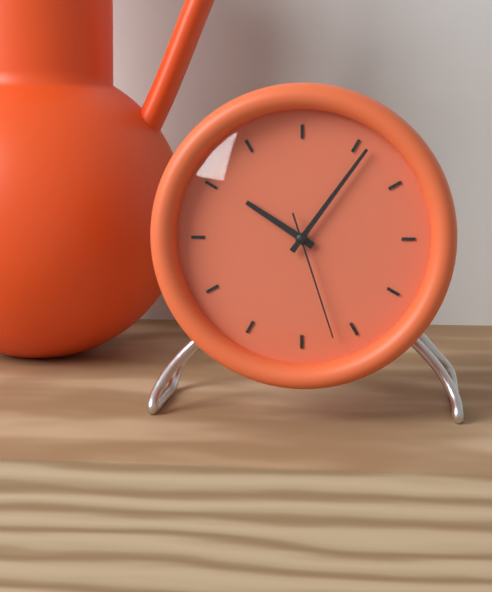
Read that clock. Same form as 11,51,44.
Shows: 10,06,27
